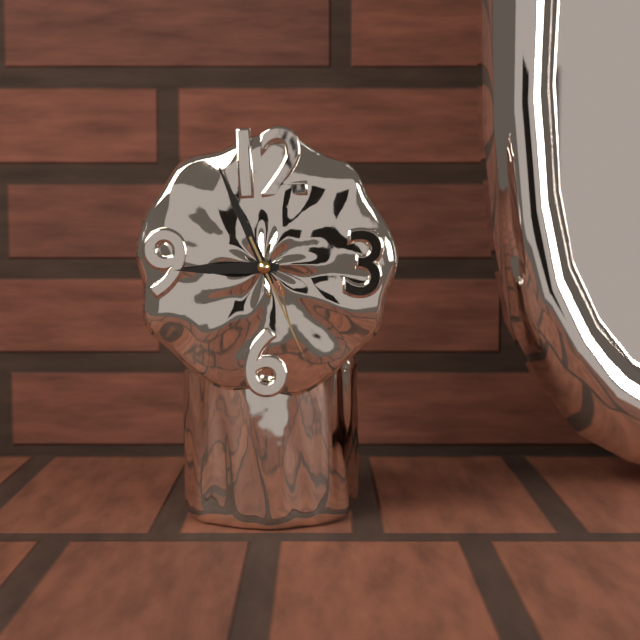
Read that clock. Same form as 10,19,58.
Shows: 8,56,26
